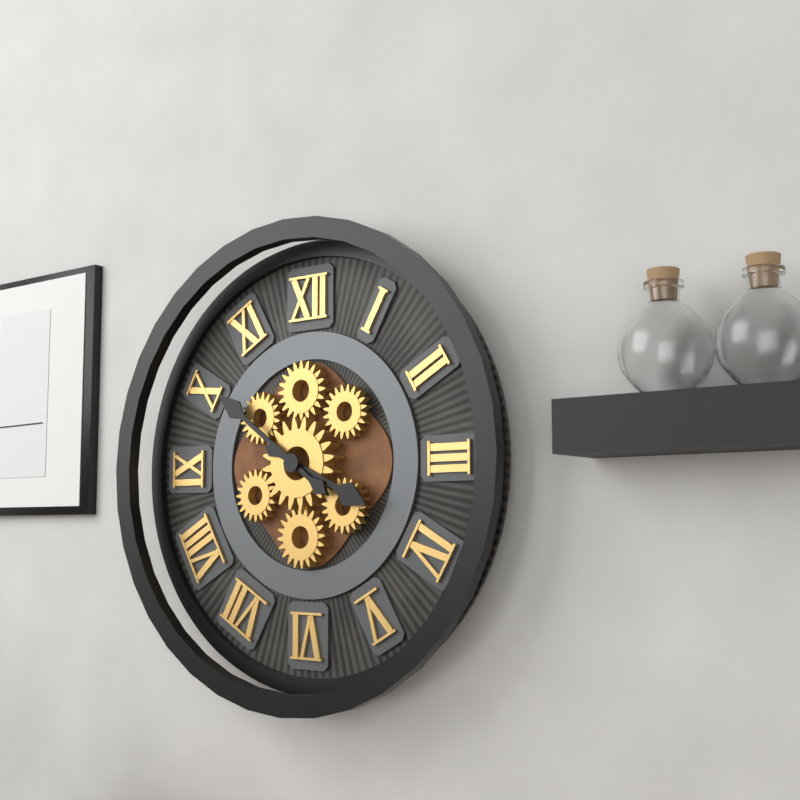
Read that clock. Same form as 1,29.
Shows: 3,51
